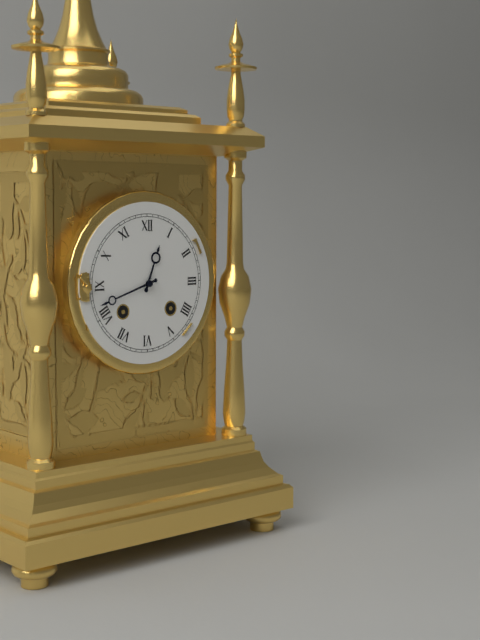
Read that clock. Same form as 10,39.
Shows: 12,42
